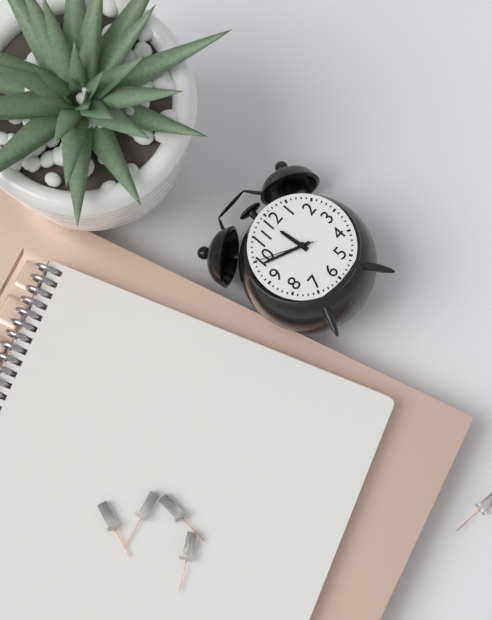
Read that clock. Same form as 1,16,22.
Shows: 11,49,50
